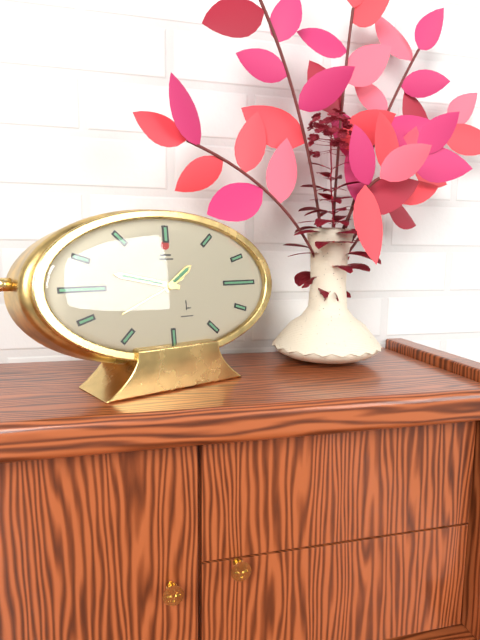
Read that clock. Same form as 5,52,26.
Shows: 1,47,41
